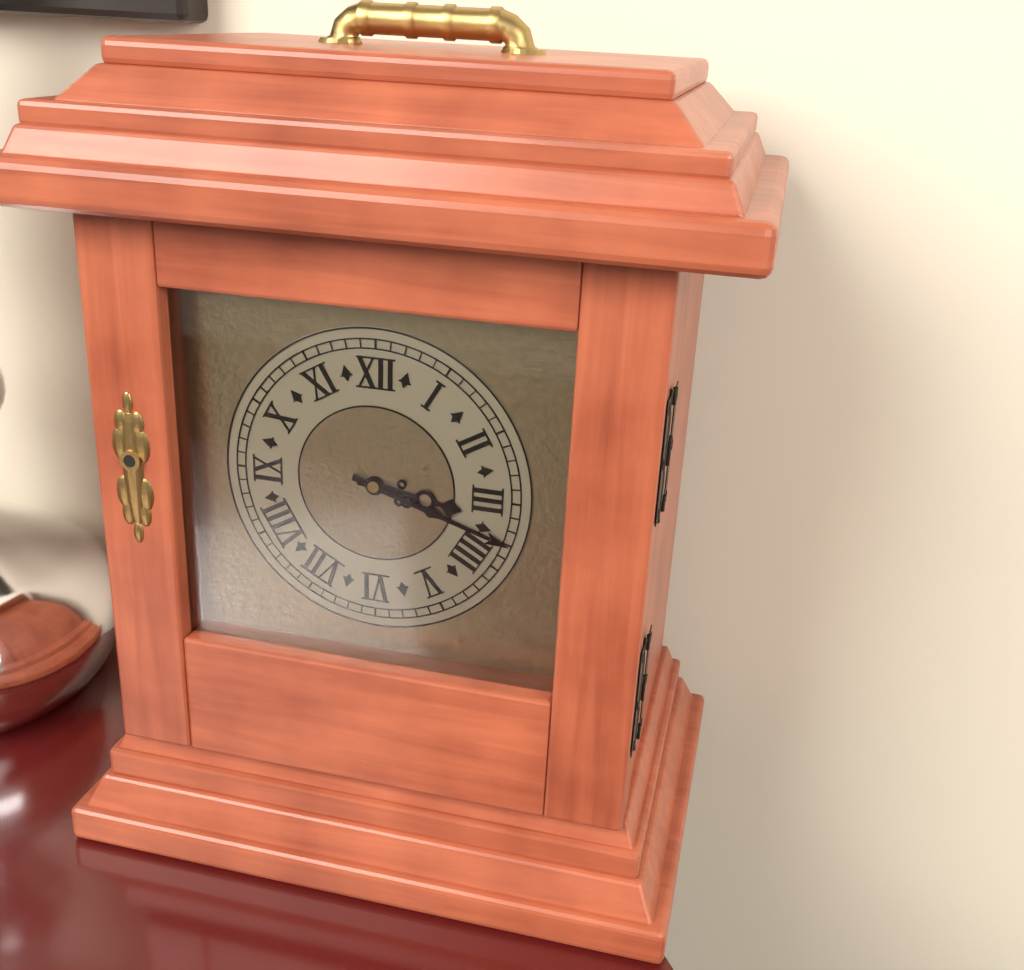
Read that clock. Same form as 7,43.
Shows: 3,18
